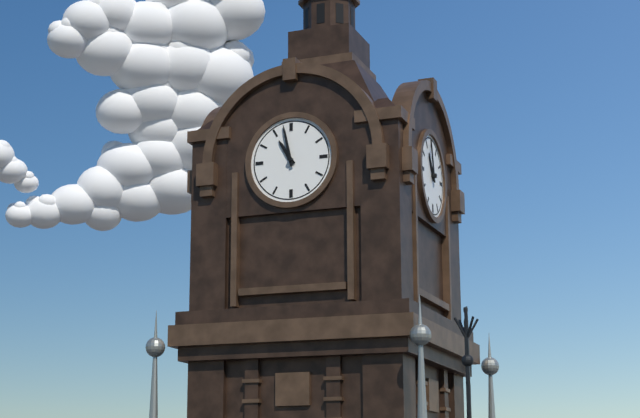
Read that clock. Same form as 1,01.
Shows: 10,58
